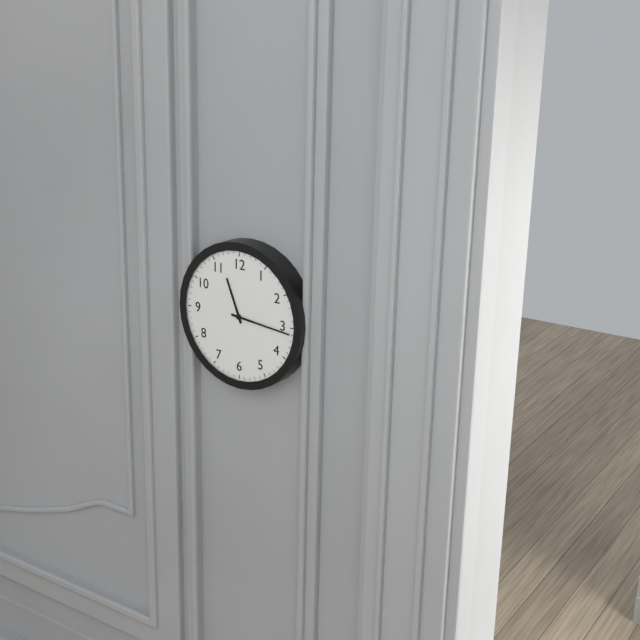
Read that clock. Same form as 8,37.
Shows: 11,16
